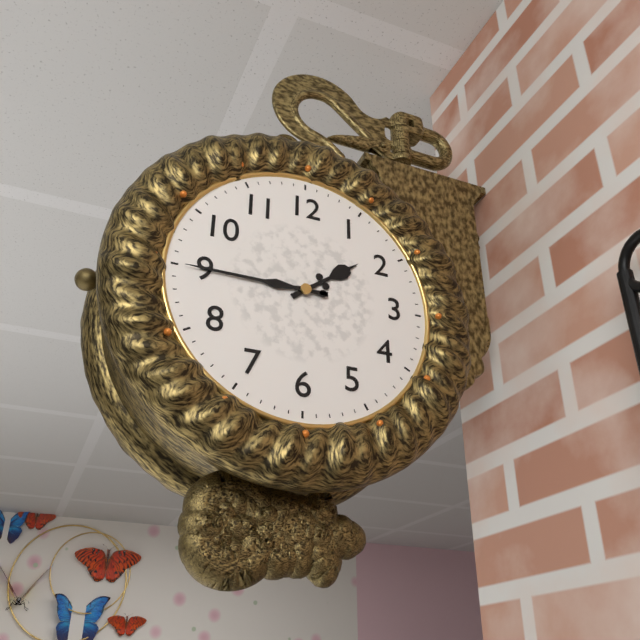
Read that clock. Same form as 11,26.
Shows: 1,45
